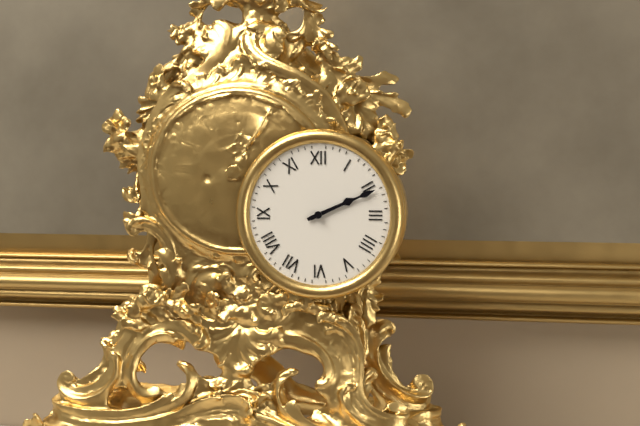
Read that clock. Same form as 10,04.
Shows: 2,11
